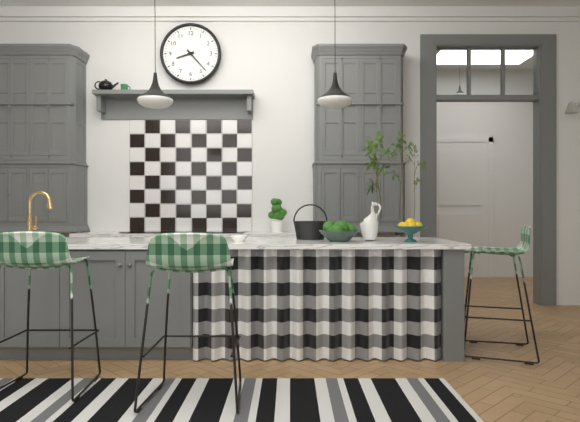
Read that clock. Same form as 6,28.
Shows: 8,23
